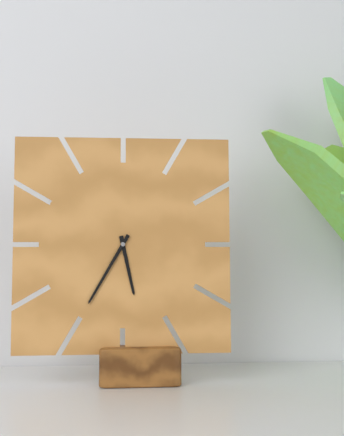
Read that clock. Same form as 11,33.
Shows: 5,35
